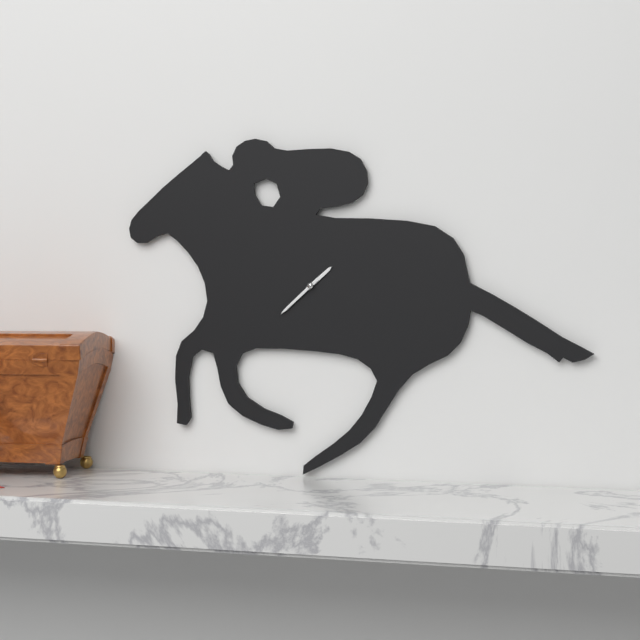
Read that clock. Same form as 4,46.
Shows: 1,38
